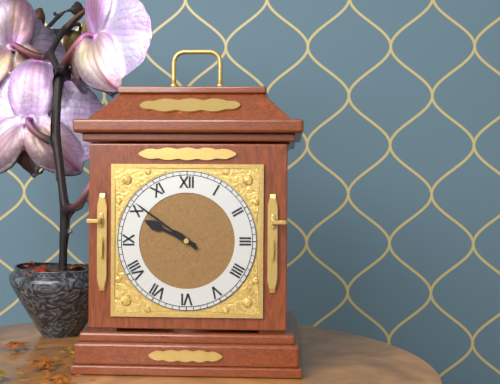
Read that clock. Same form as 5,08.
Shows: 9,51
